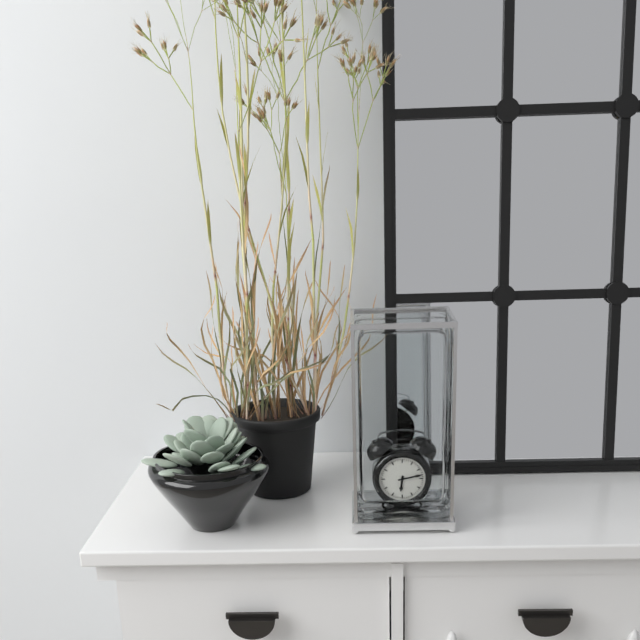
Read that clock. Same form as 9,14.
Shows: 6,13
